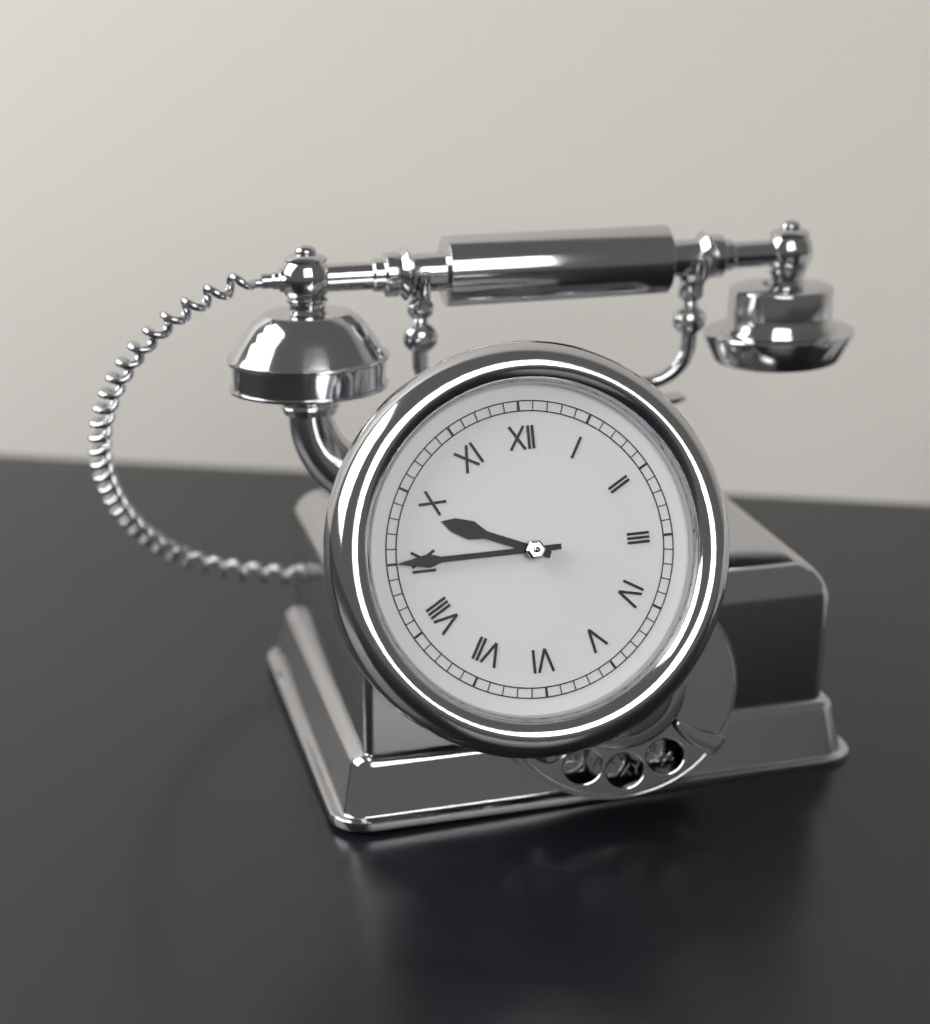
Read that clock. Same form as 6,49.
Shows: 9,45
